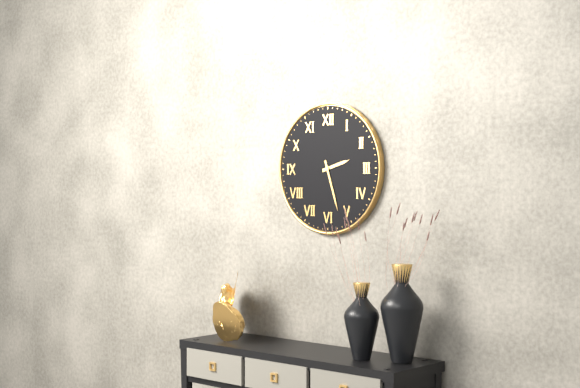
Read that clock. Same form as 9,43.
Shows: 2,27
